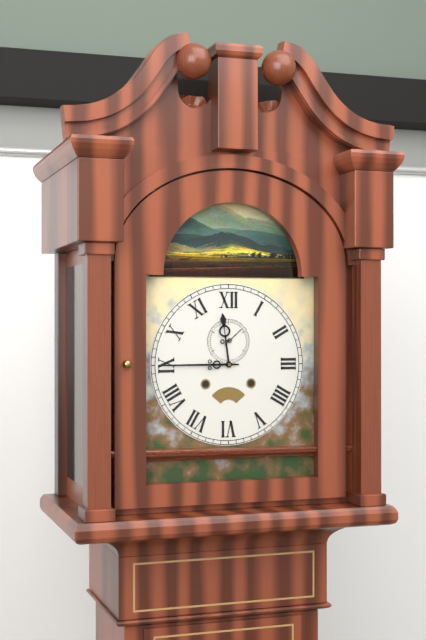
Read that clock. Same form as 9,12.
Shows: 11,45
